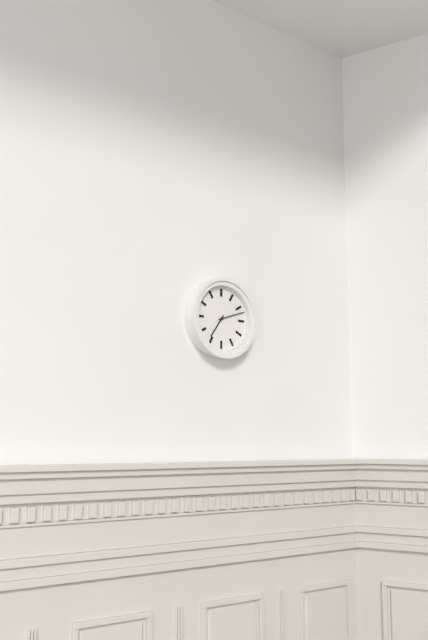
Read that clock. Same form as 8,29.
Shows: 7,12
